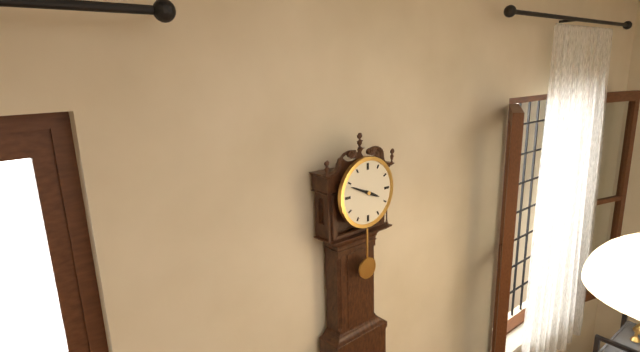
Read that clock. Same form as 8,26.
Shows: 3,49
